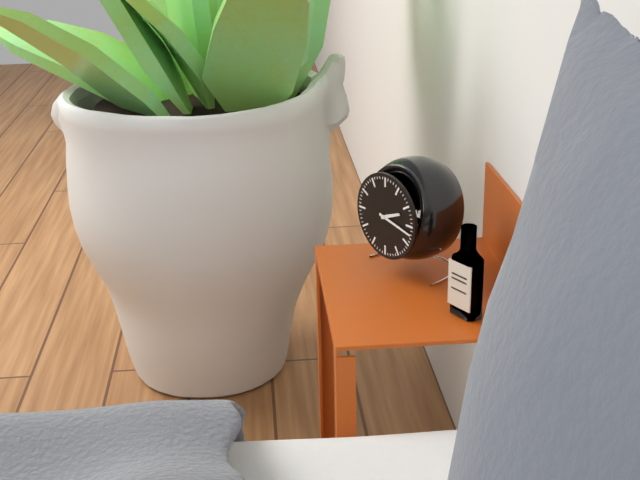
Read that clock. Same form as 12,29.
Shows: 2,17
